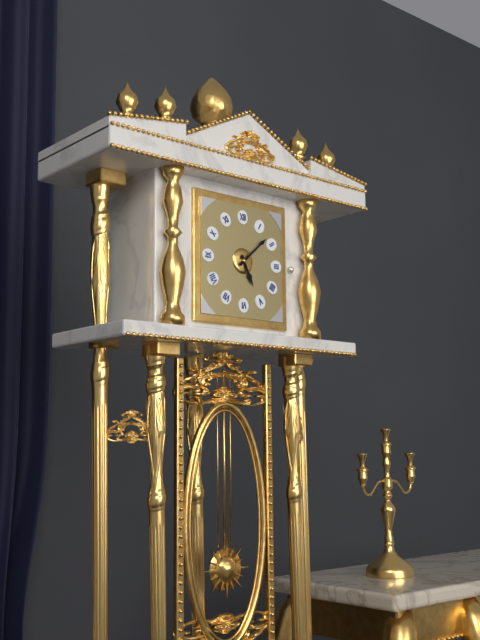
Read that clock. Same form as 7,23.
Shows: 5,08
